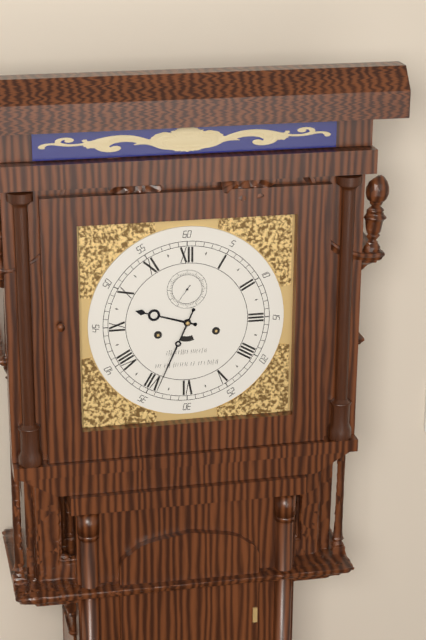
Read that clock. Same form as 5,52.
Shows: 9,34
